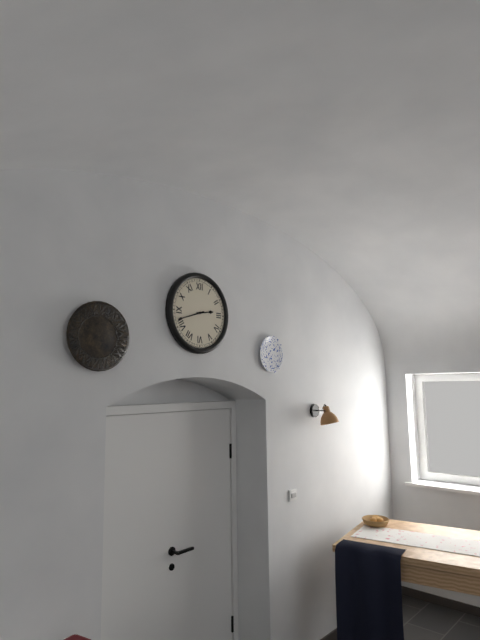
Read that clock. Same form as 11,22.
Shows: 2,42
